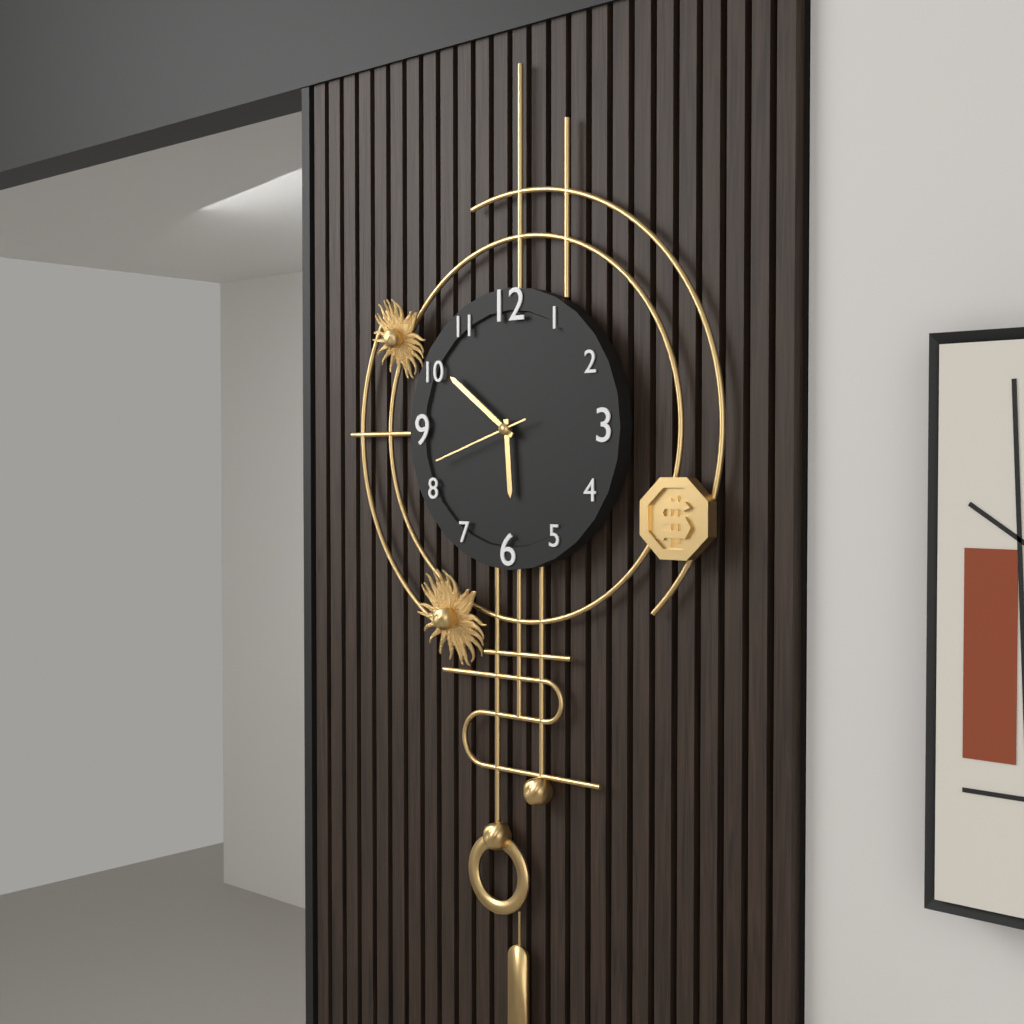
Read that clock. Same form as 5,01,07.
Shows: 5,51,42
